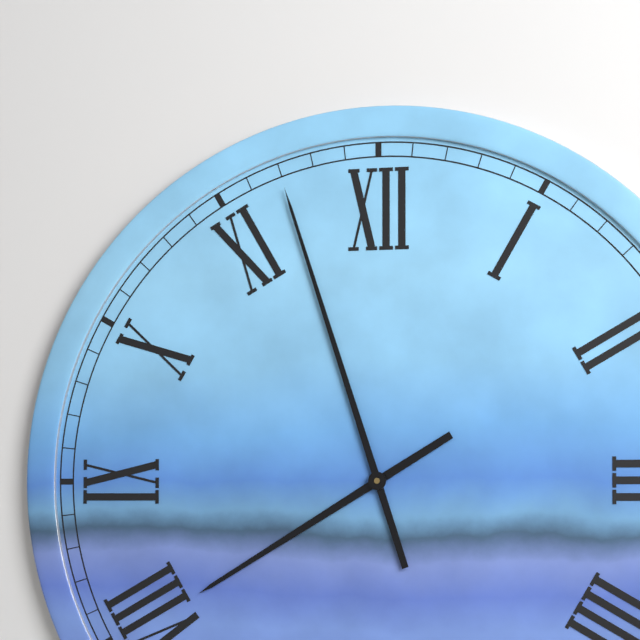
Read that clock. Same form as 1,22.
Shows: 7,57
